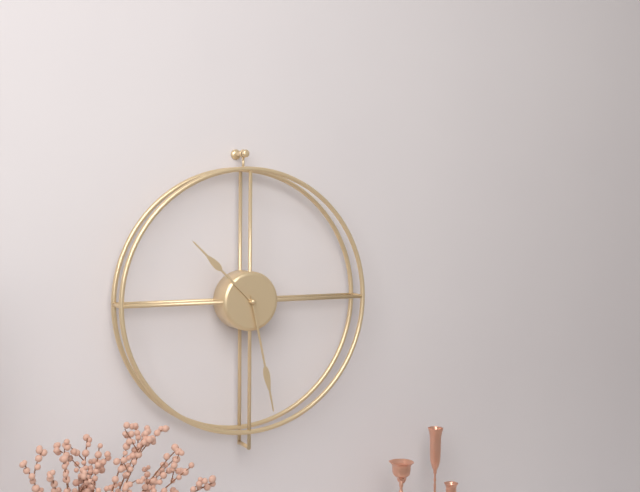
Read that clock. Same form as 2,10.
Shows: 10,28
